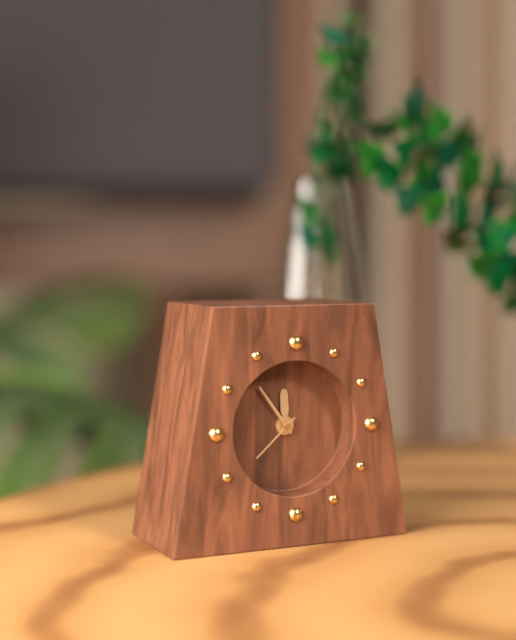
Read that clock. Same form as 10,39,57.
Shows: 11,54,38
